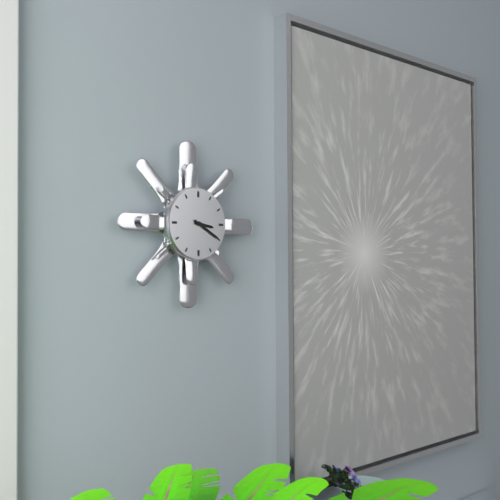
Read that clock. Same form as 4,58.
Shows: 3,20
